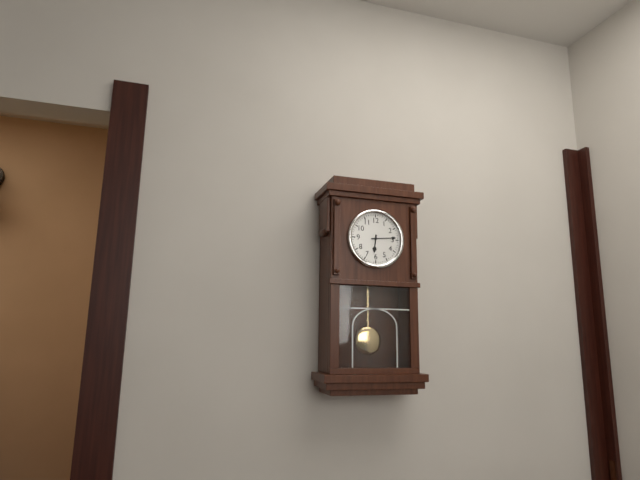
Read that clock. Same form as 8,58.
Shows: 6,14
